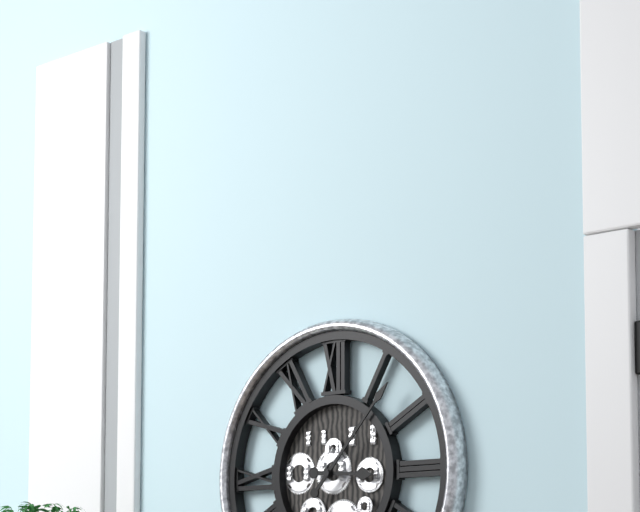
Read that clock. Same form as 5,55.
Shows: 3,07
